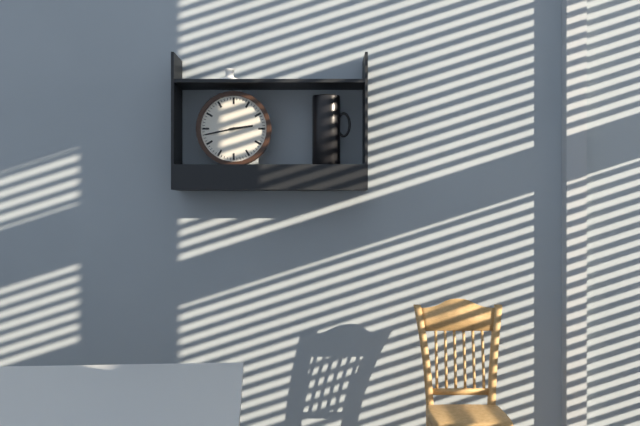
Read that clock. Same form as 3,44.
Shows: 2,43
